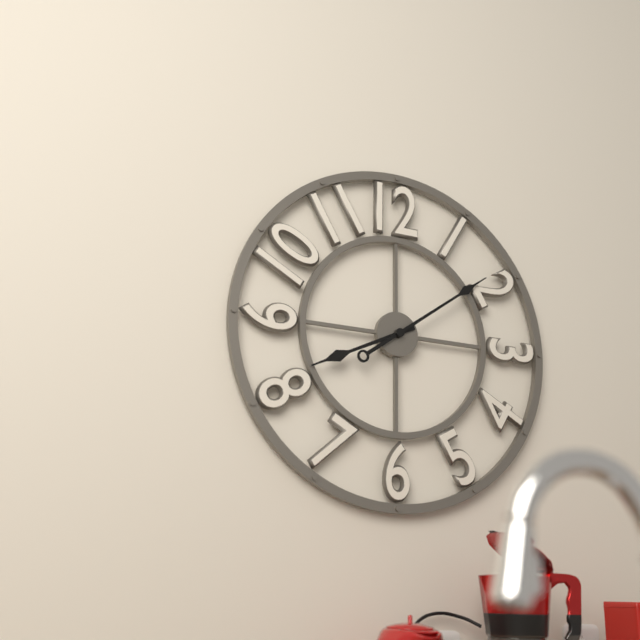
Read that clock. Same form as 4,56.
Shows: 8,09
